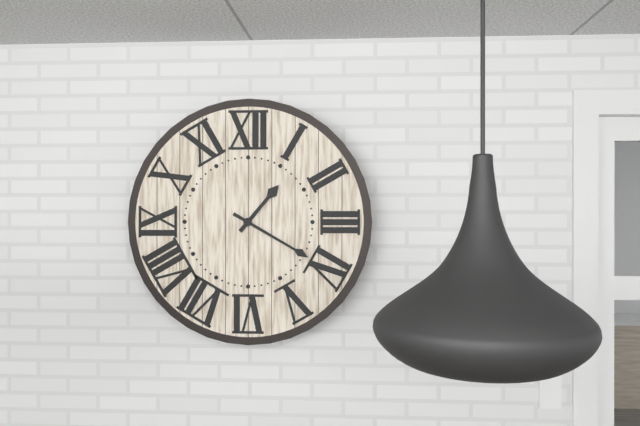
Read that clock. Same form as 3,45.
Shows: 1,20
